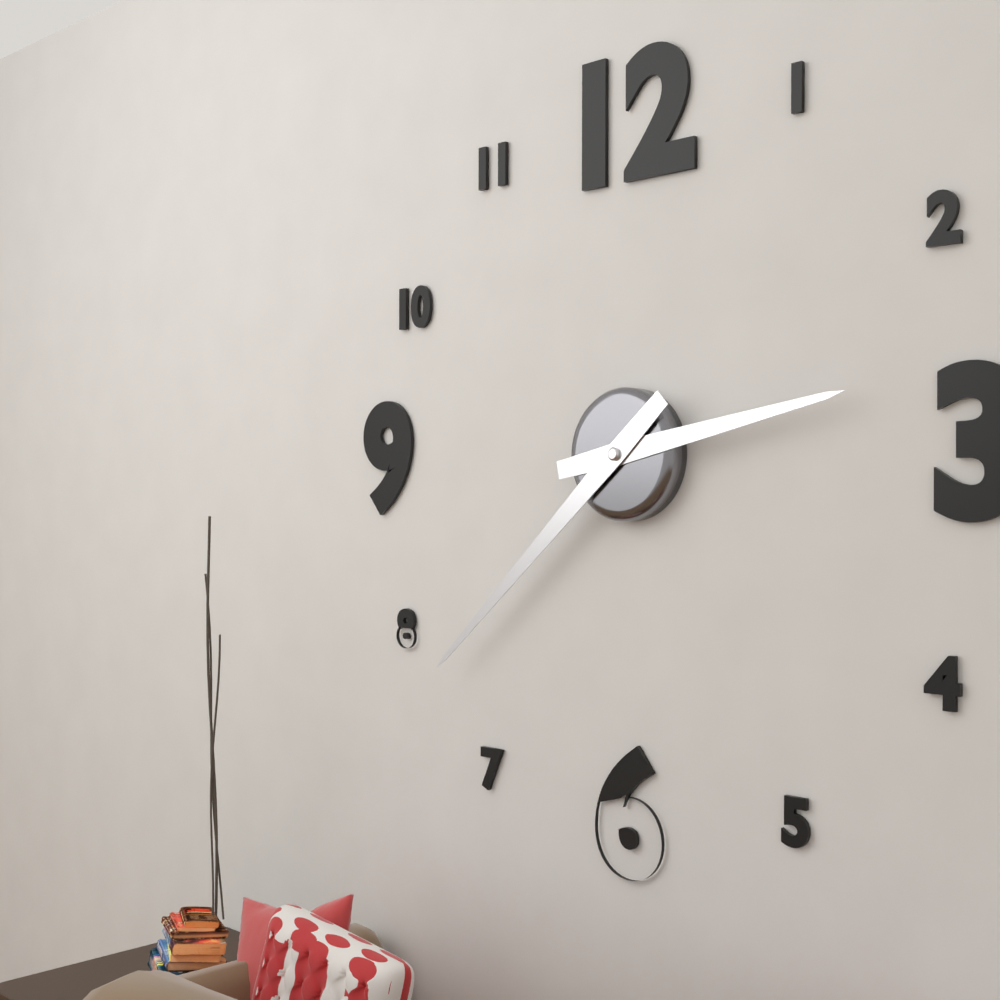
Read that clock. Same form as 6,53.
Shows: 2,38
